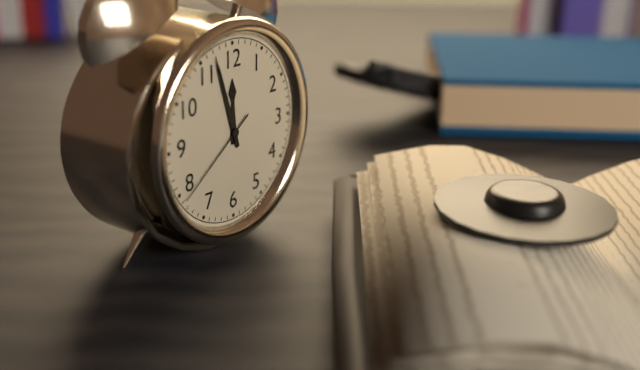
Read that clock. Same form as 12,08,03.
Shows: 11,57,39
